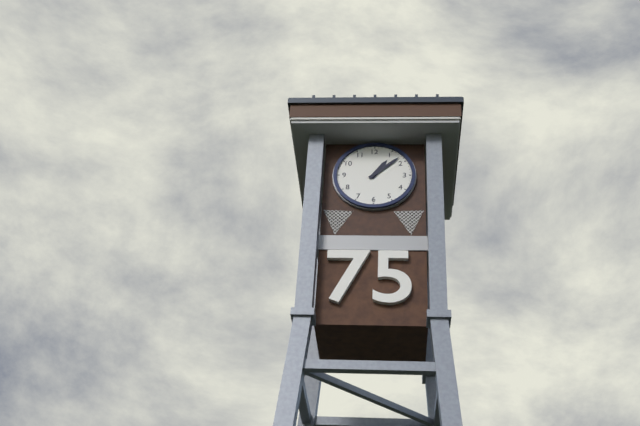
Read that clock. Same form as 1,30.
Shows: 1,08
